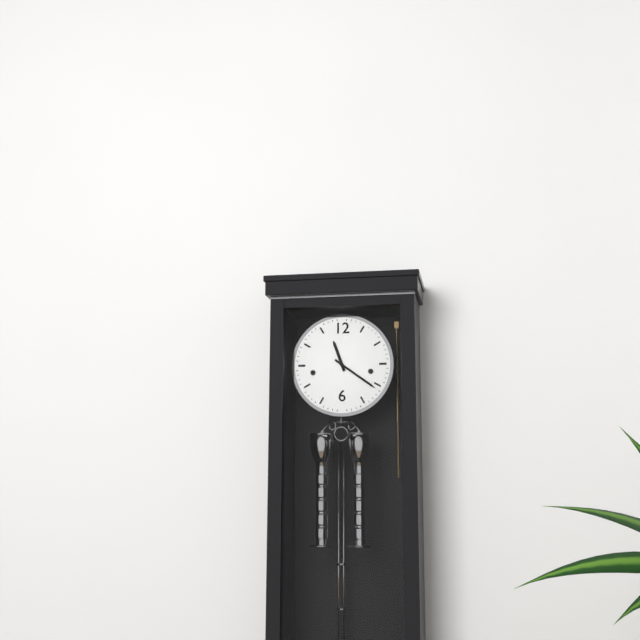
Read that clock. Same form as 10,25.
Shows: 11,21
